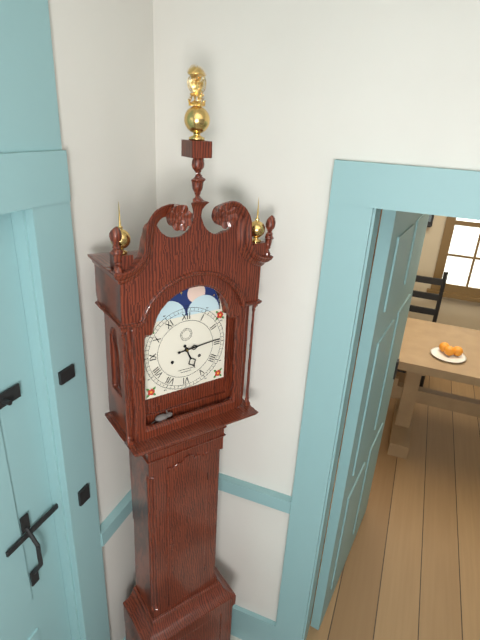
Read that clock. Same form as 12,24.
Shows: 5,14
